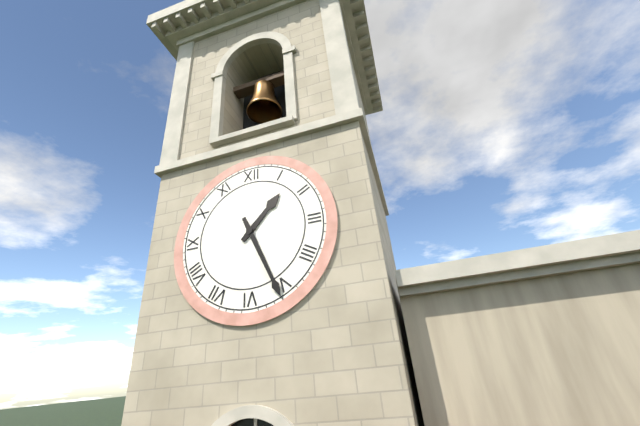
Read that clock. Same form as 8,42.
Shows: 1,26
